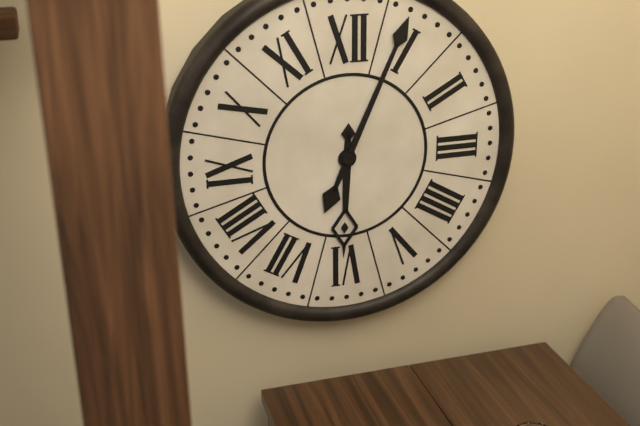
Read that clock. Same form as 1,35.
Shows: 6,04
